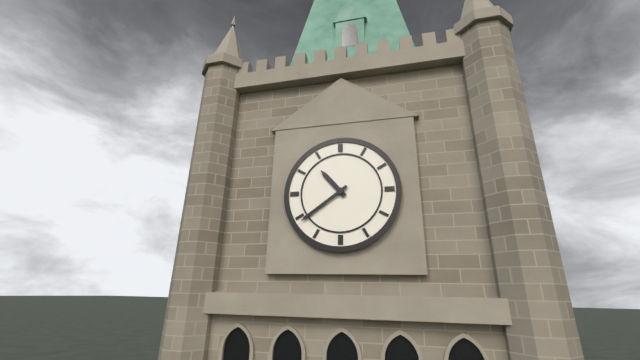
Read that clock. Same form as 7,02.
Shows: 10,39
